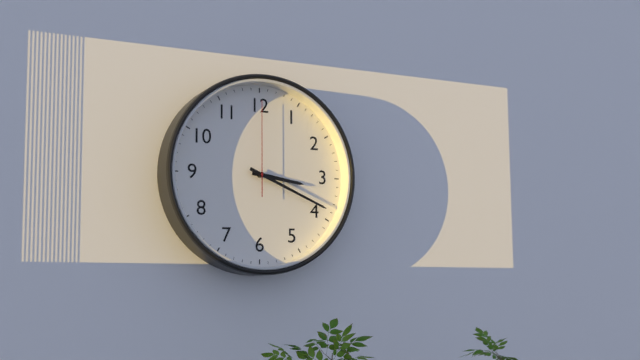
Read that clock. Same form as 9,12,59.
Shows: 3,19,00
